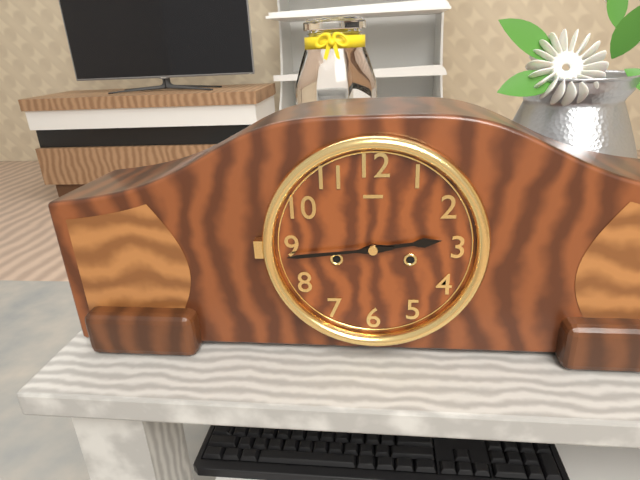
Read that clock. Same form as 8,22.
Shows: 2,44
